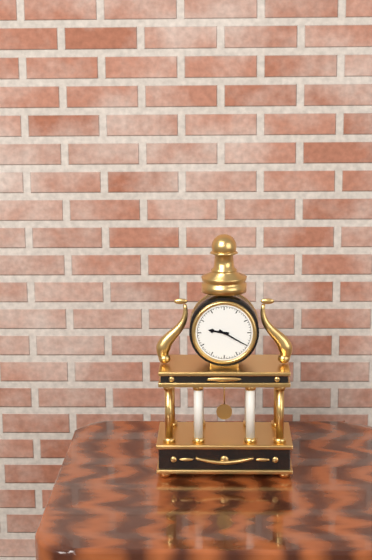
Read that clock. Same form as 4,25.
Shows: 9,20
